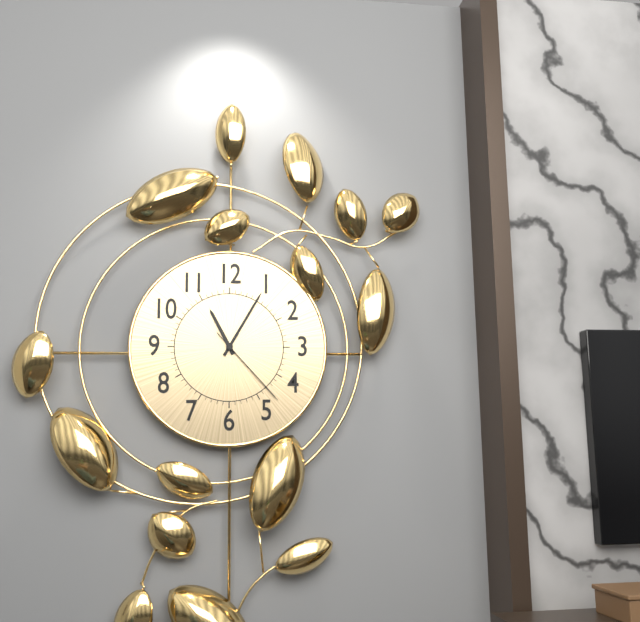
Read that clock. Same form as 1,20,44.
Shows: 11,05,23
